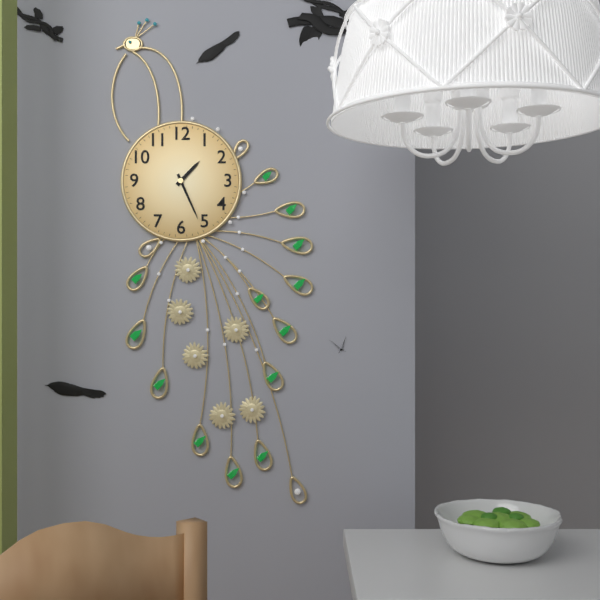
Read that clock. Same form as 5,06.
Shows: 1,26
